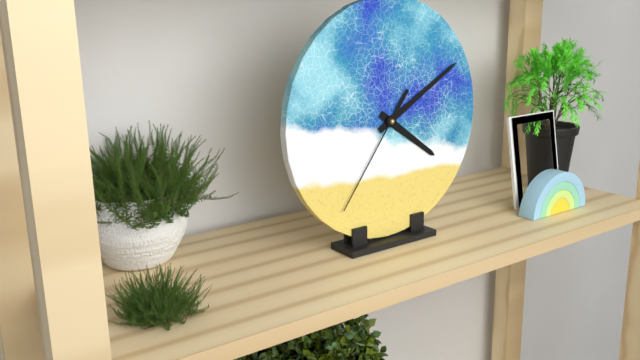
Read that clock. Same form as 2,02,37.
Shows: 4,10,36
